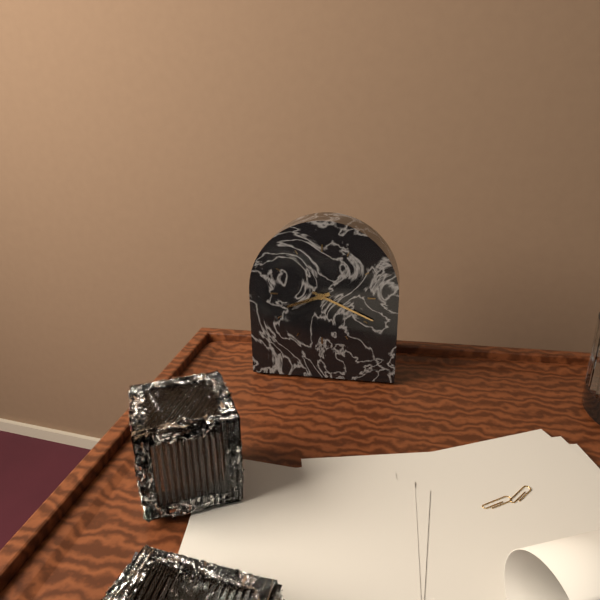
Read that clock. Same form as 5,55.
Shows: 8,19
